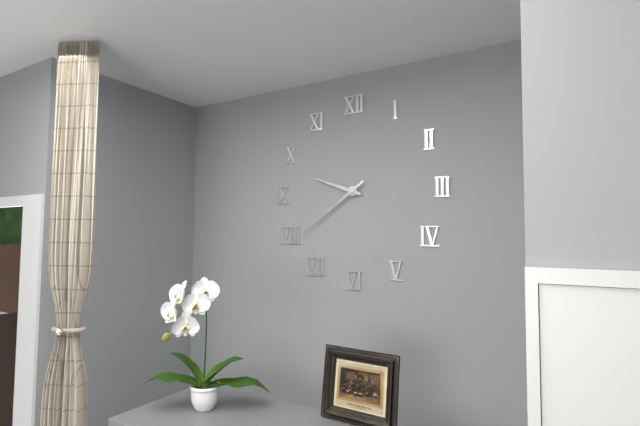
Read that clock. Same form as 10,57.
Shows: 9,39
